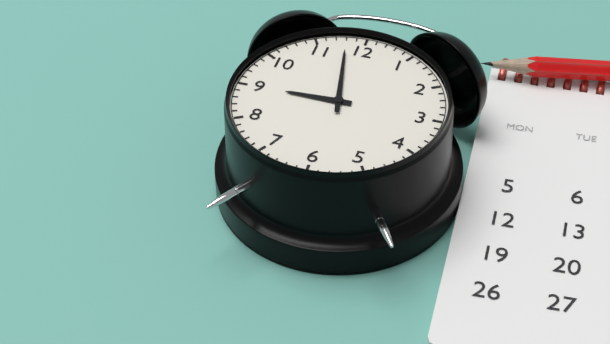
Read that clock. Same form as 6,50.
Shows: 8,58
